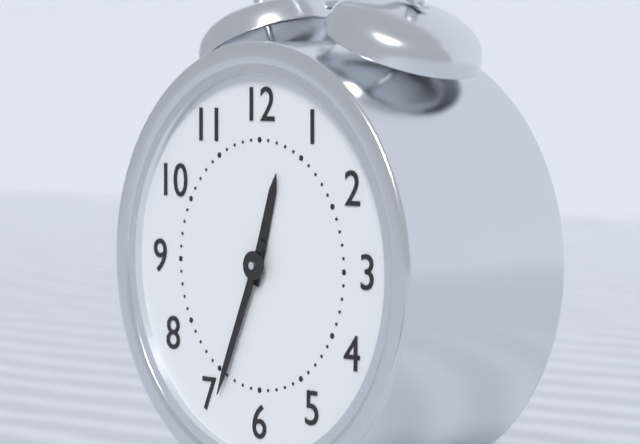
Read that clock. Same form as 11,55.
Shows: 12,34
